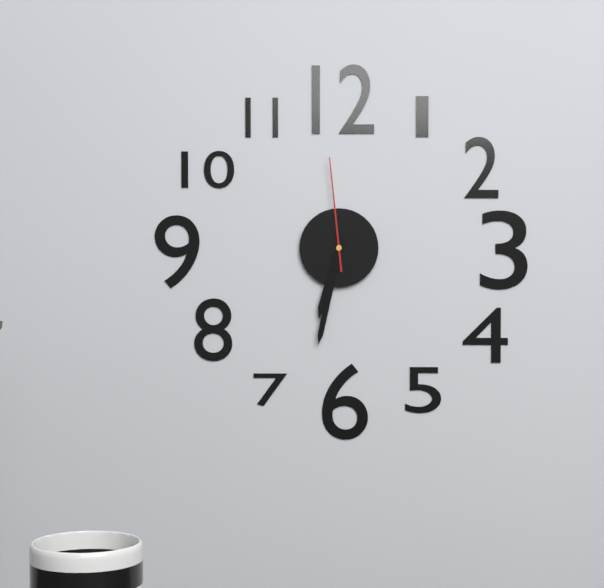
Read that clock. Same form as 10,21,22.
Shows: 6,32,59
